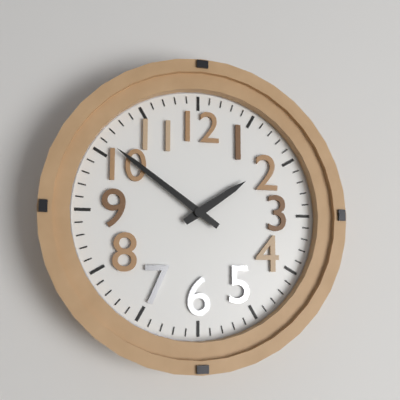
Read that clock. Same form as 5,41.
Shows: 1,51
